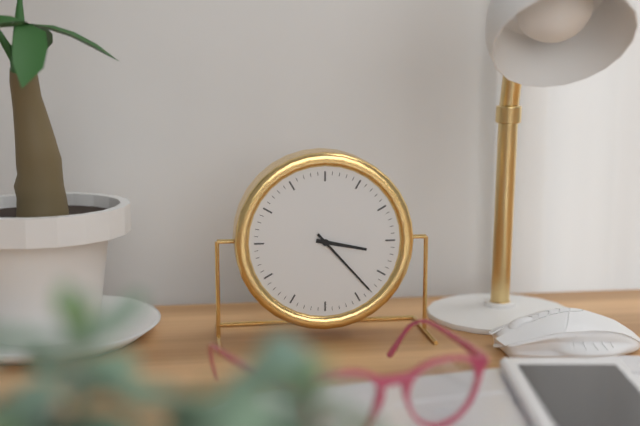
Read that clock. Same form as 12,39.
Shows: 3,23
